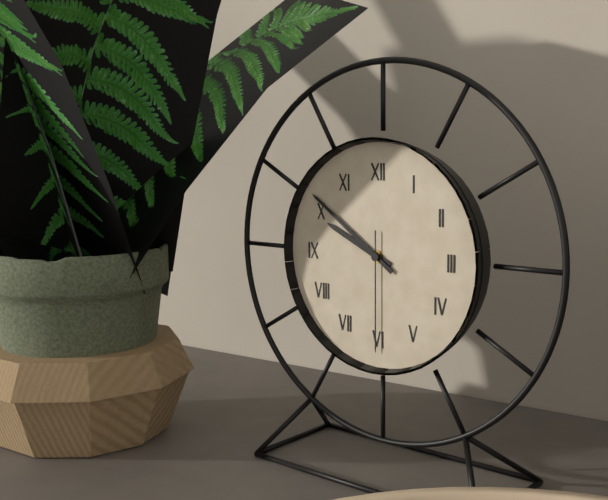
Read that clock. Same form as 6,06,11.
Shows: 9,51,30
